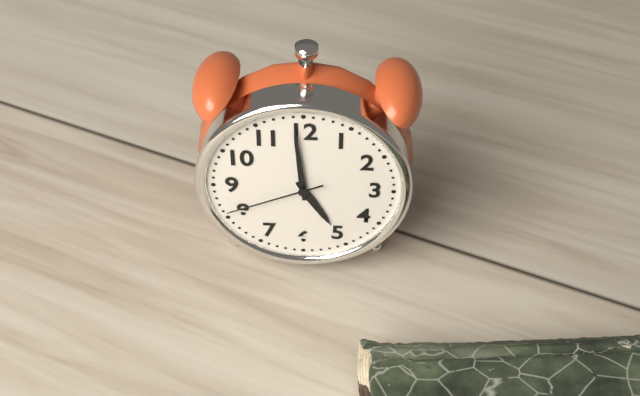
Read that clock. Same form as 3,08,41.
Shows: 4,59,41
